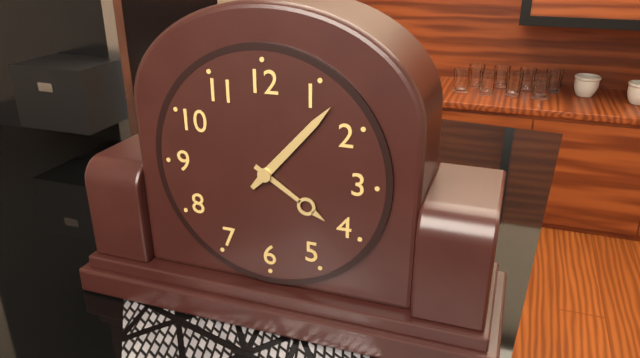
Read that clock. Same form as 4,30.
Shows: 4,07
